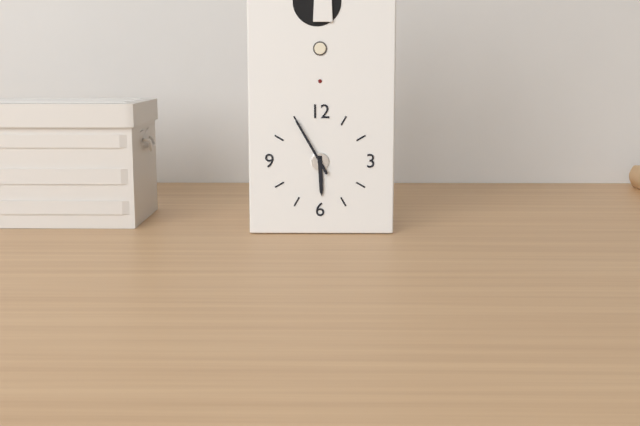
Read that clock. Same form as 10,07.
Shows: 5,55
